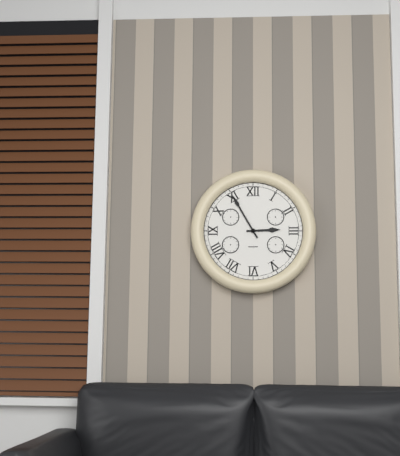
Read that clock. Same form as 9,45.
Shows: 2,55
